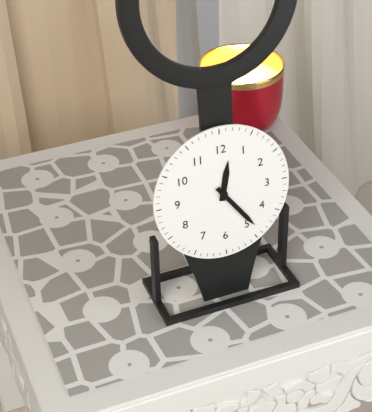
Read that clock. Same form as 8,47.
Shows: 12,24
